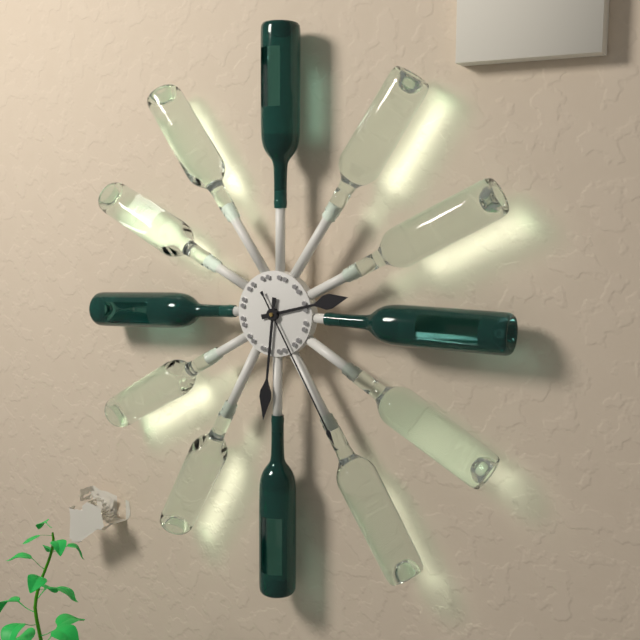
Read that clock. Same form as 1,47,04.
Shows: 2,31,25
